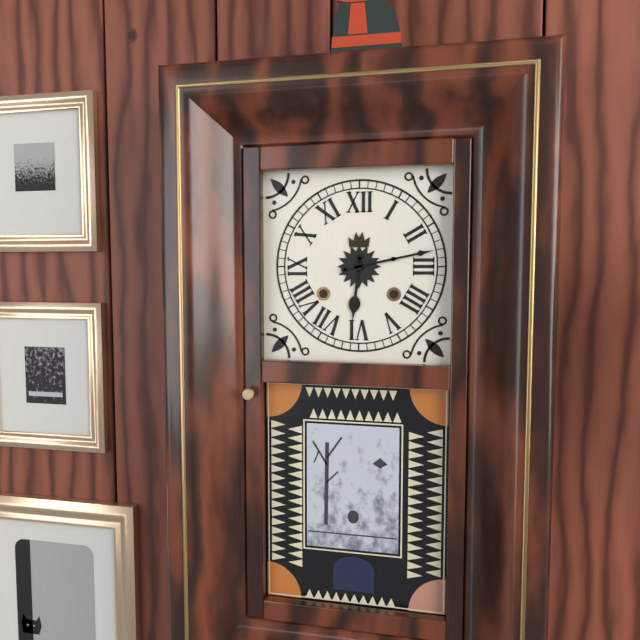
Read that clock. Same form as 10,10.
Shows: 6,13
